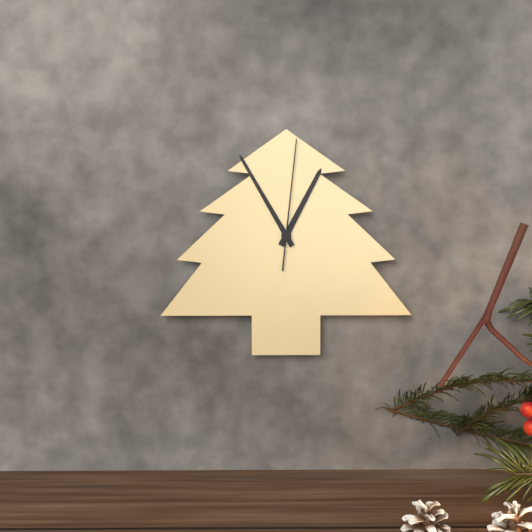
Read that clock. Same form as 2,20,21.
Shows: 12,55,01
